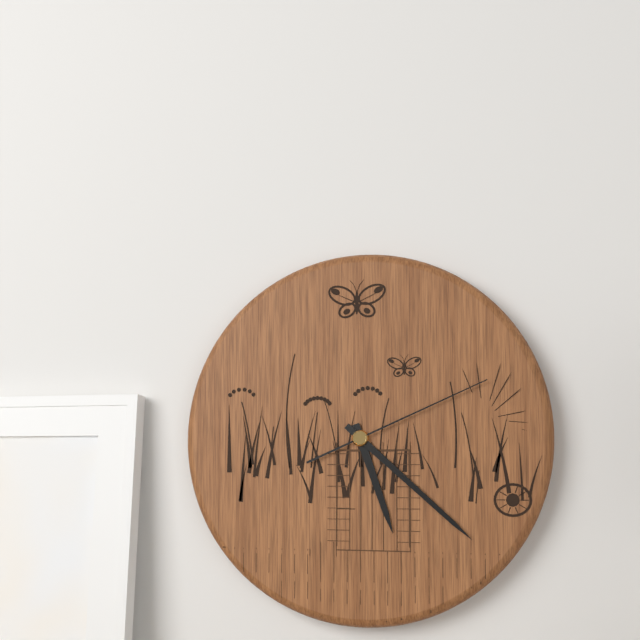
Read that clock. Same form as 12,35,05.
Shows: 5,22,11
